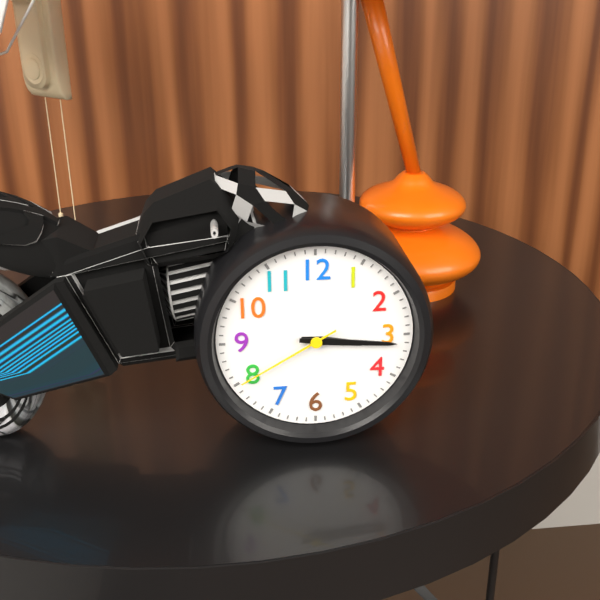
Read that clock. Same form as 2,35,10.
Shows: 3,16,40
